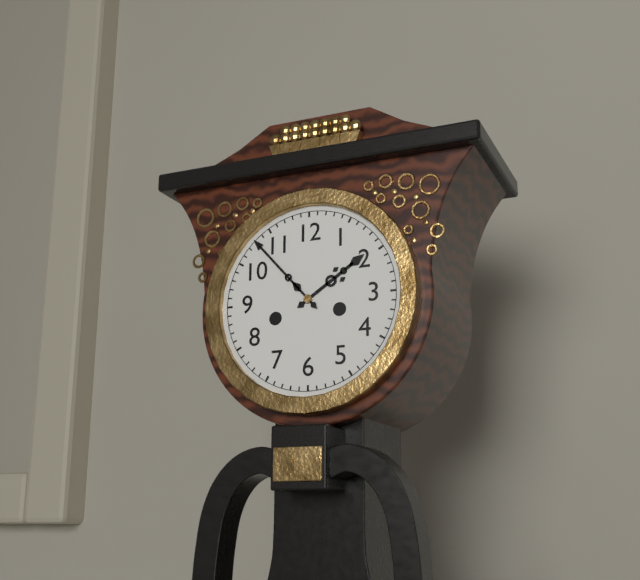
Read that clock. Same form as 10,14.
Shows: 1,53
